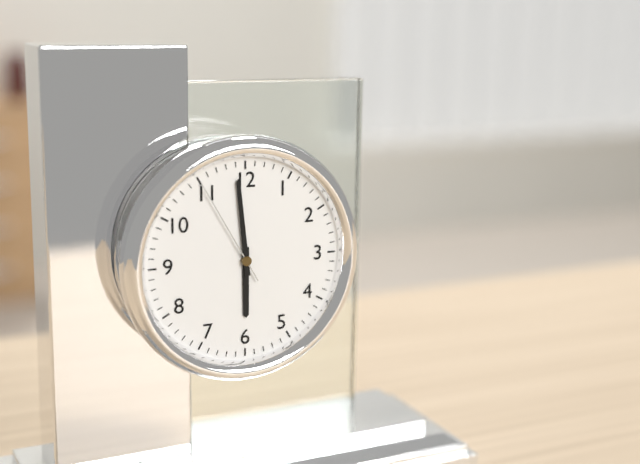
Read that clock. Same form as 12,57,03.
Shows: 5,59,55
